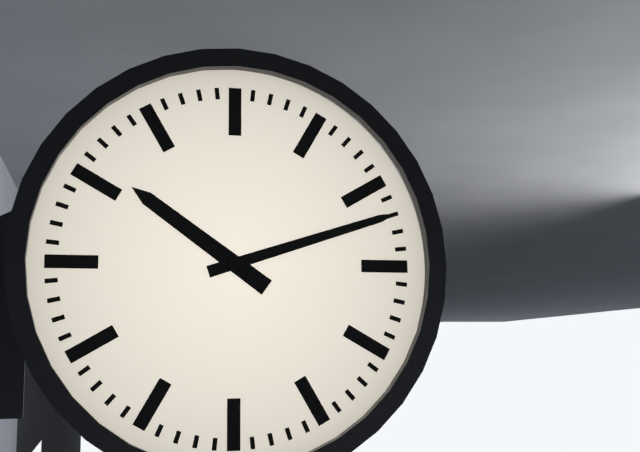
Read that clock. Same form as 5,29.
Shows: 10,12
